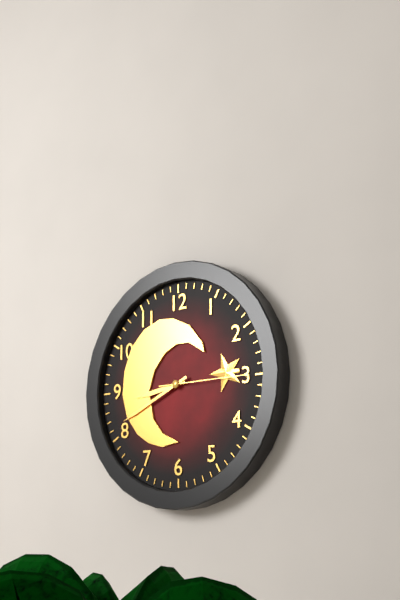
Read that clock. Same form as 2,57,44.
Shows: 8,41,15
